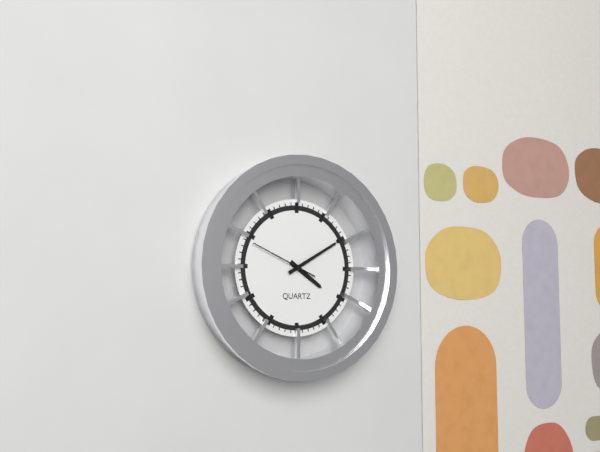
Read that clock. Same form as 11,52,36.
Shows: 4,10,49
